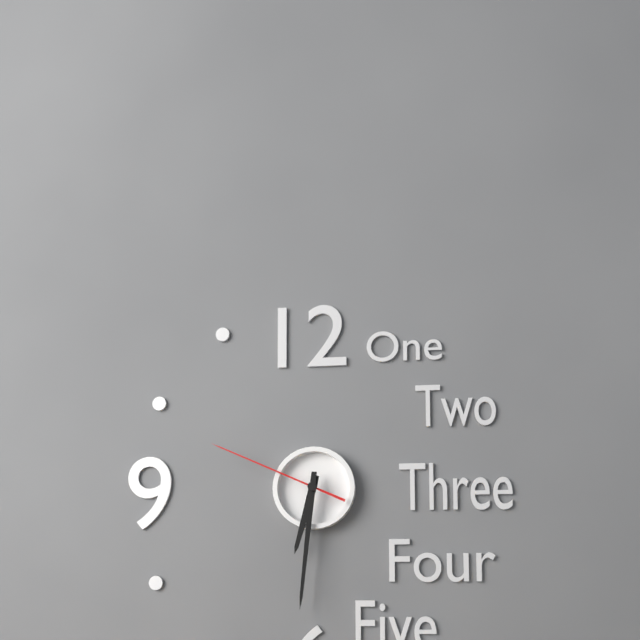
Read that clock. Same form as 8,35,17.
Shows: 6,31,49
